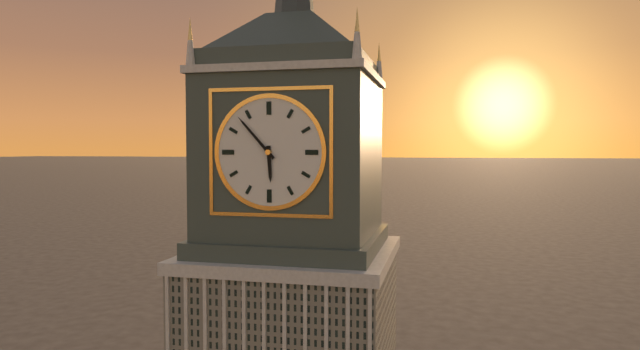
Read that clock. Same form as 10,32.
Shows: 5,53
